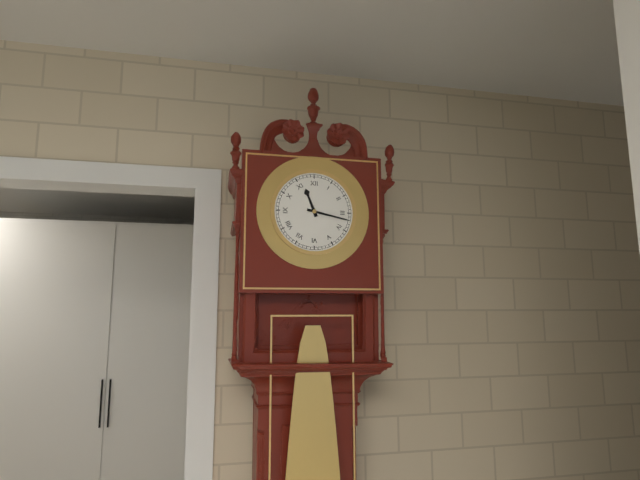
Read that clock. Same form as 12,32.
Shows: 11,17
